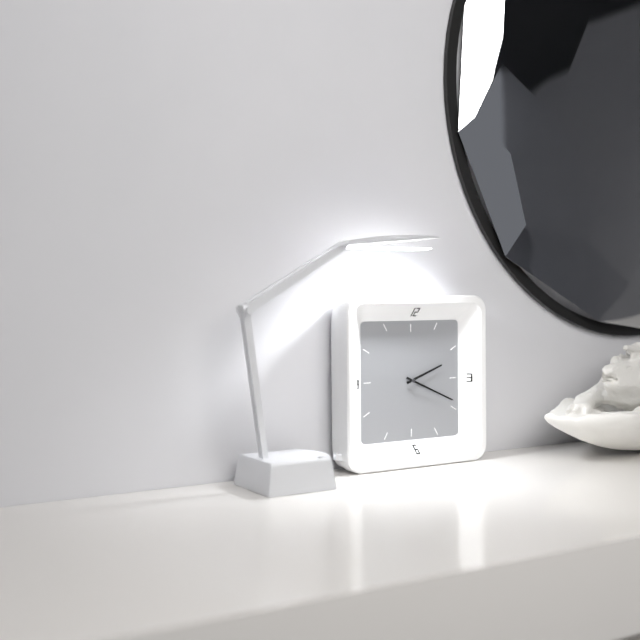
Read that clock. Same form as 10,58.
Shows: 2,19
